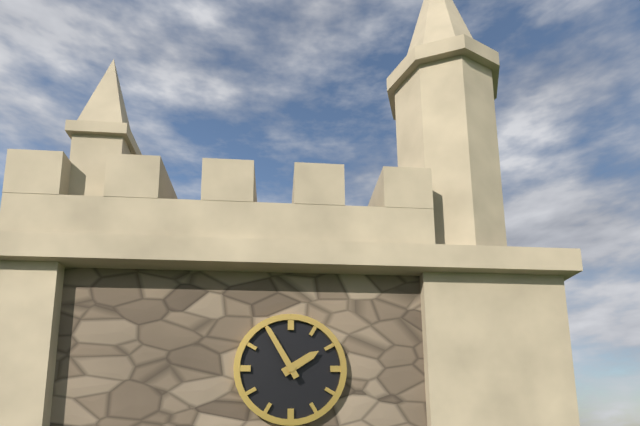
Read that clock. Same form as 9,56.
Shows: 1,55
